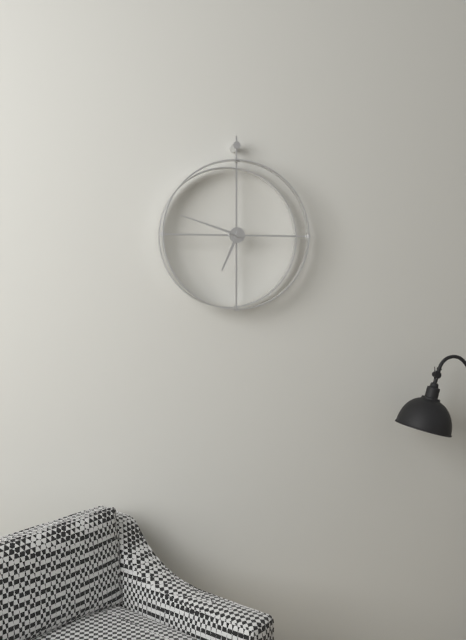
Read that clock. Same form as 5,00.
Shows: 6,48
